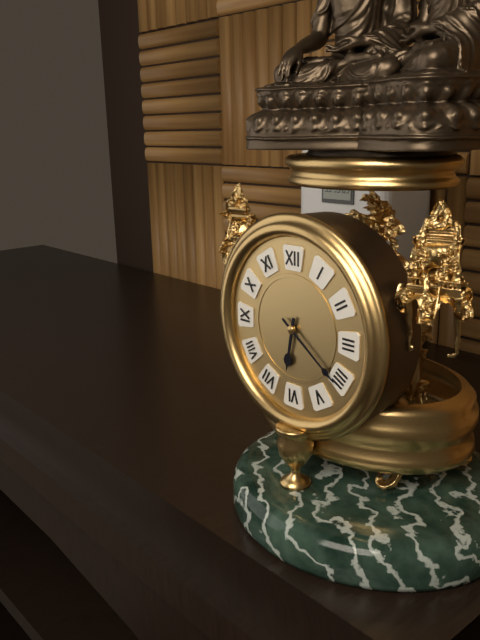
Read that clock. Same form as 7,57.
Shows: 6,21
